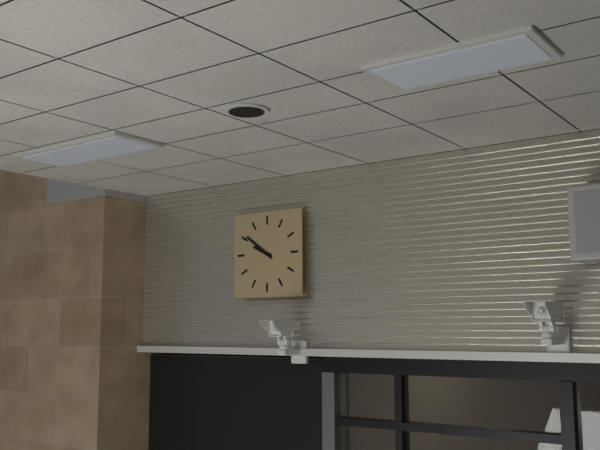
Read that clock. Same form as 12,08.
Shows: 9,51
